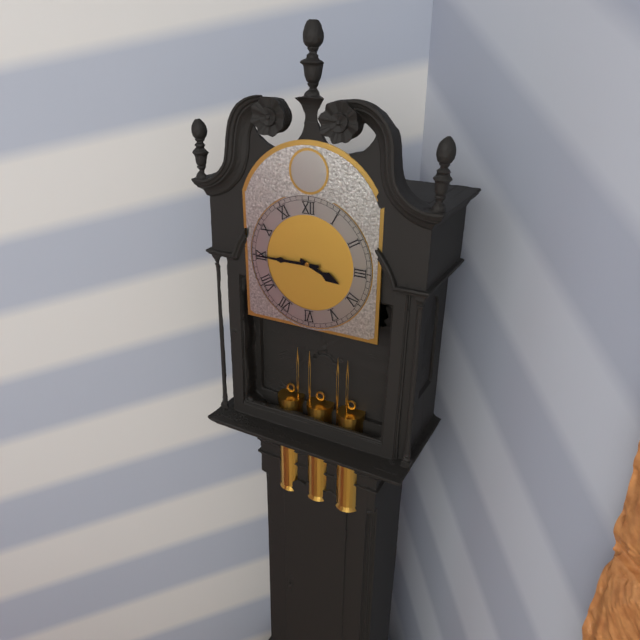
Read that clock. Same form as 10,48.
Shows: 3,45
